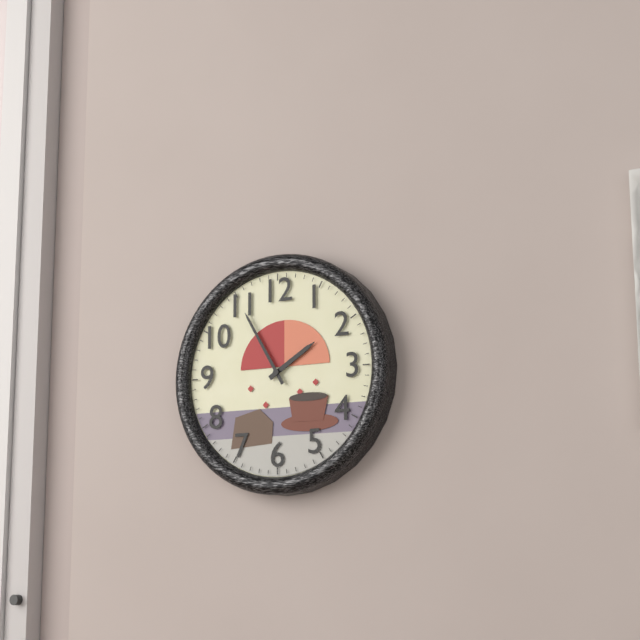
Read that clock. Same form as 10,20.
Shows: 1,55
